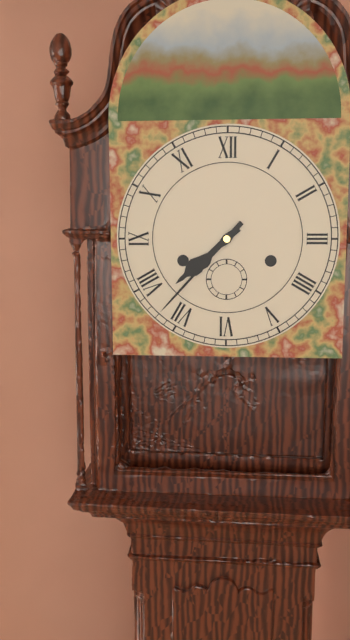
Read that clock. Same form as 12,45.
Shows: 7,37
